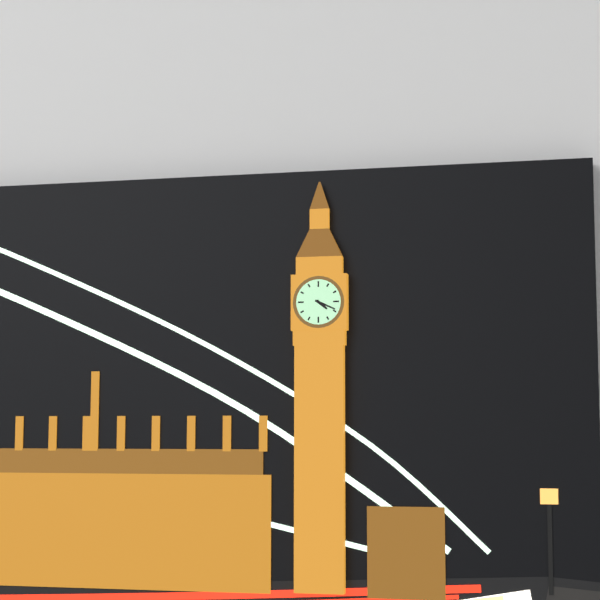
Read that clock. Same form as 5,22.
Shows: 4,19
